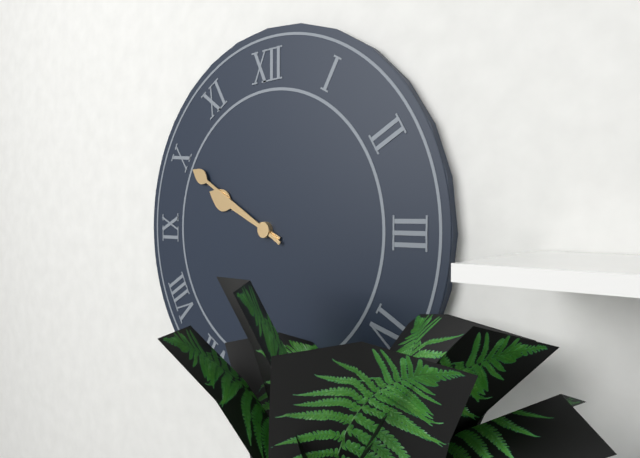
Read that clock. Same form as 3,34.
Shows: 9,50
